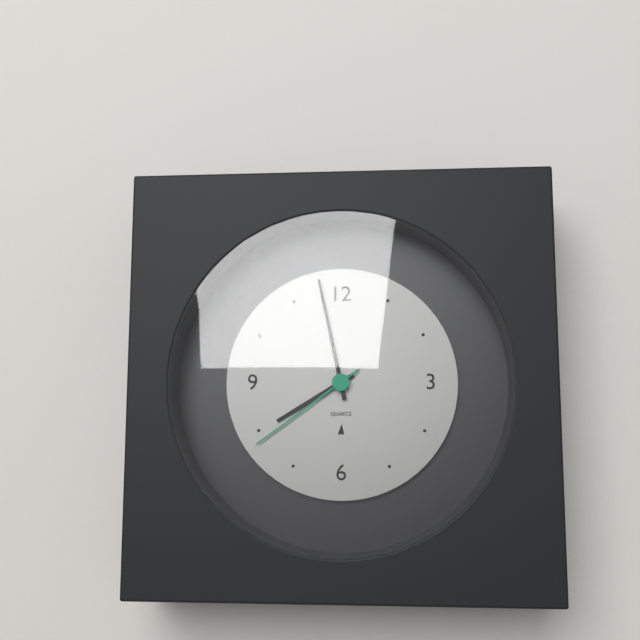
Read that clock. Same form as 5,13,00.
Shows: 7,58,39
